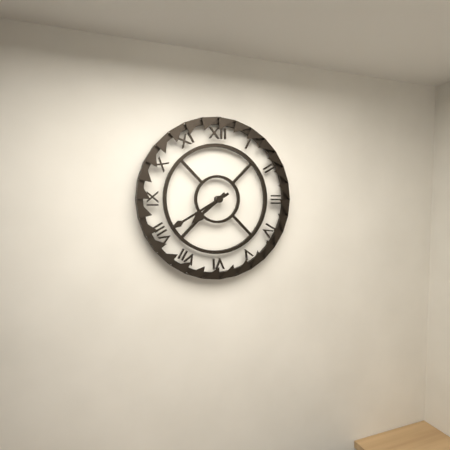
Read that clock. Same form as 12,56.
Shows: 7,40
